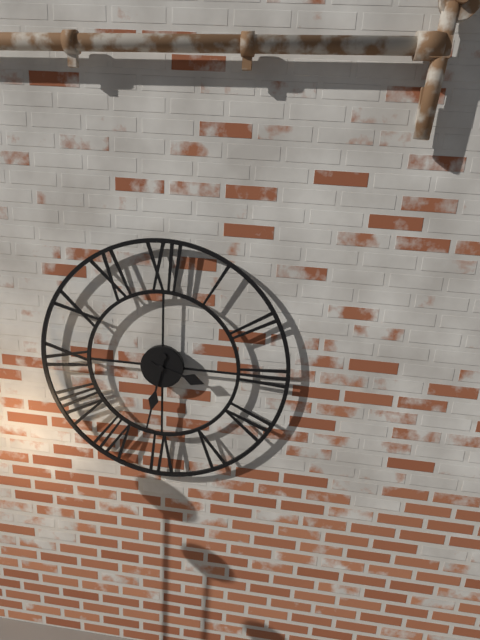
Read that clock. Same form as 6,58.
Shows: 3,32
